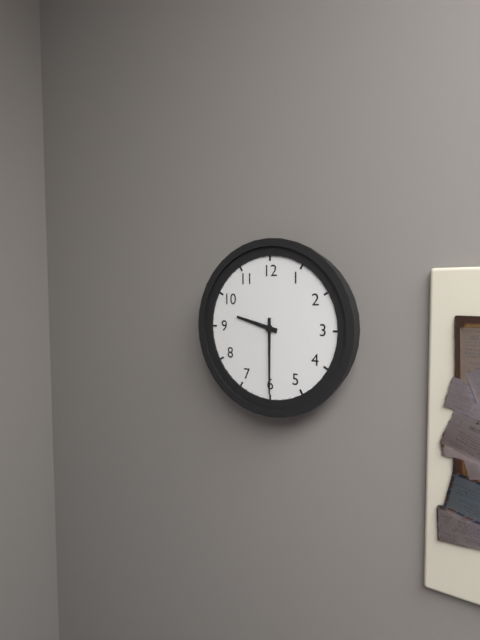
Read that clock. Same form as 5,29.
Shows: 9,30
